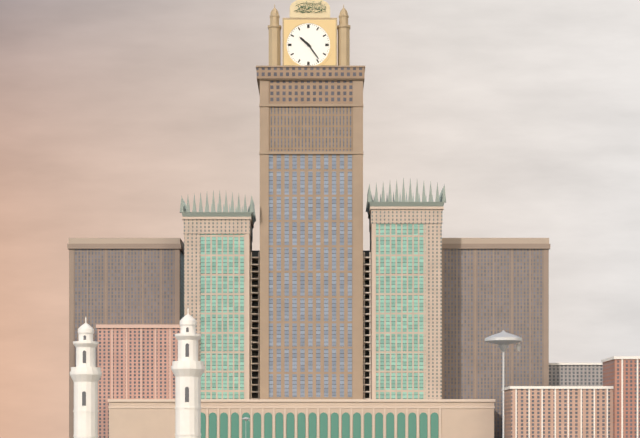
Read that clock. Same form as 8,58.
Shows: 10,24
